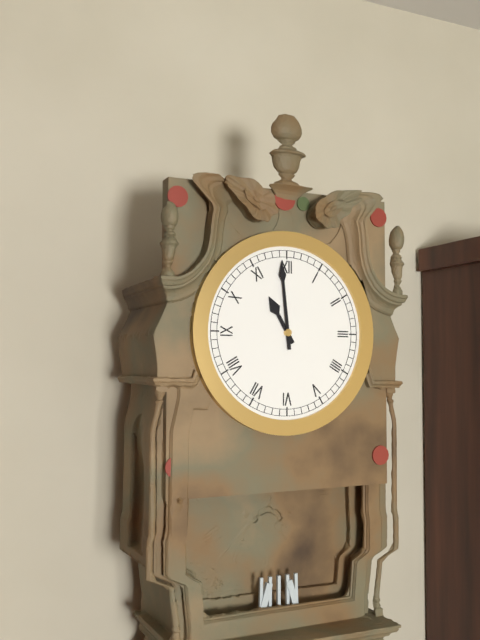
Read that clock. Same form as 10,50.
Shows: 10,59
